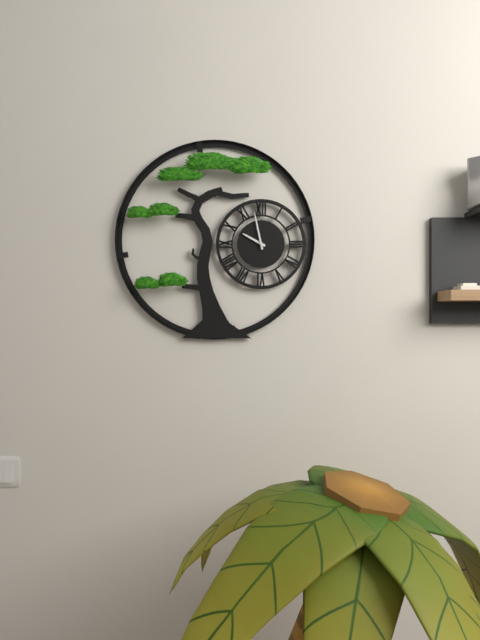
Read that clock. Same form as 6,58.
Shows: 9,58
